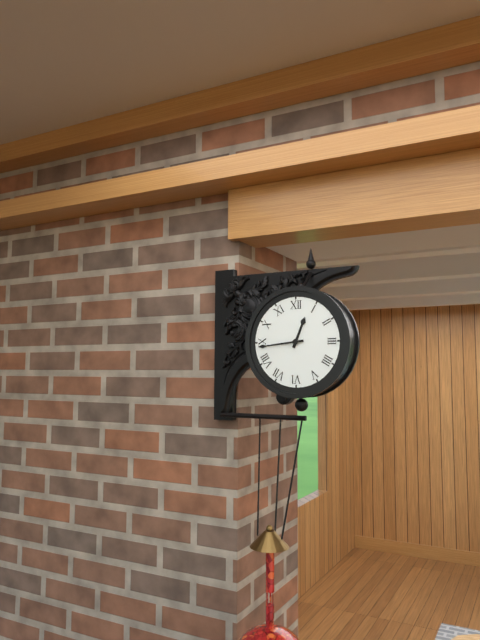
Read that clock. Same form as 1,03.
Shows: 12,44
